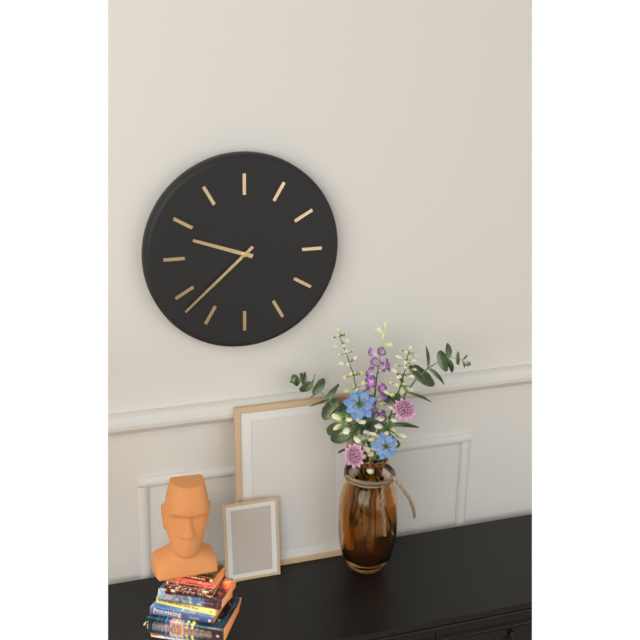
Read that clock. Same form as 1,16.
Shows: 9,38
